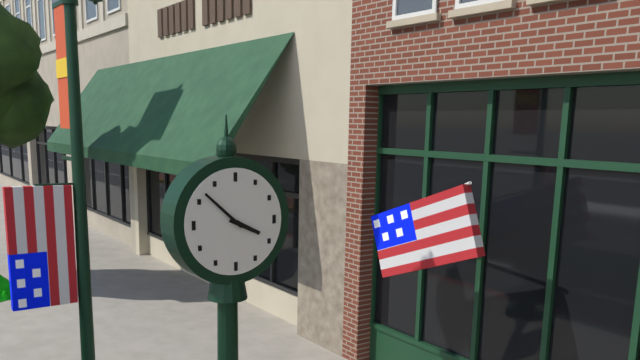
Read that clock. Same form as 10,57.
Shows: 3,52
